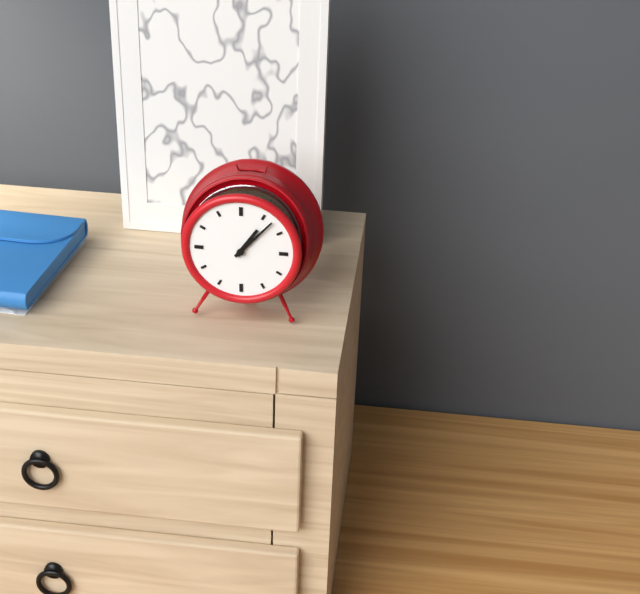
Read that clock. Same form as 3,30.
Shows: 1,07
